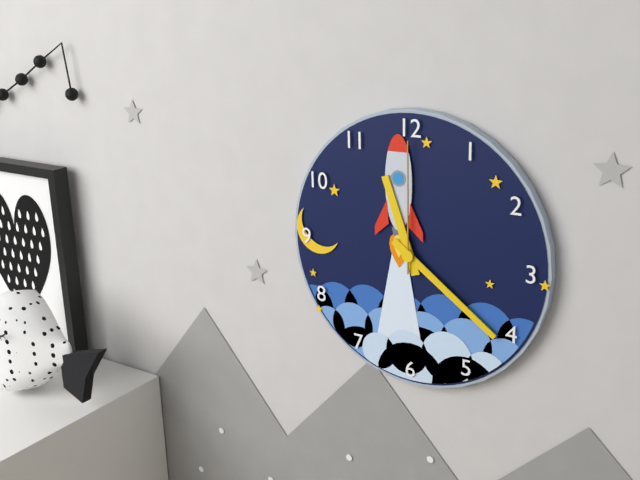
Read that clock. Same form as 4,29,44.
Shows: 11,21,00
